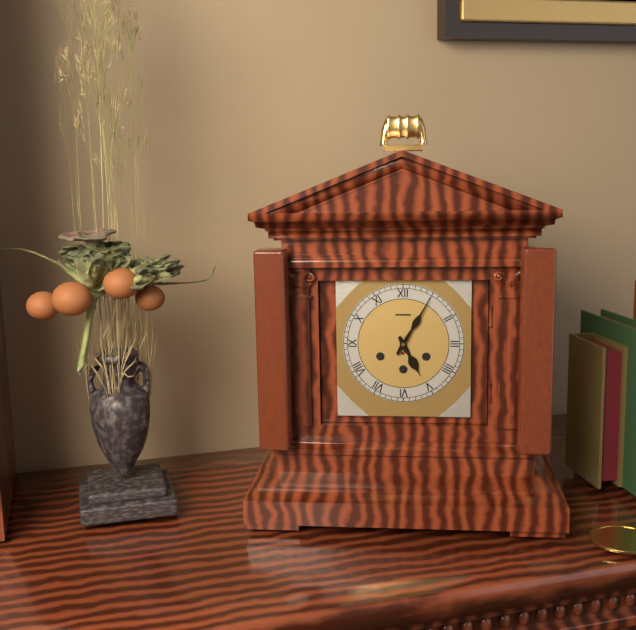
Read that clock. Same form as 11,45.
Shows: 5,05
